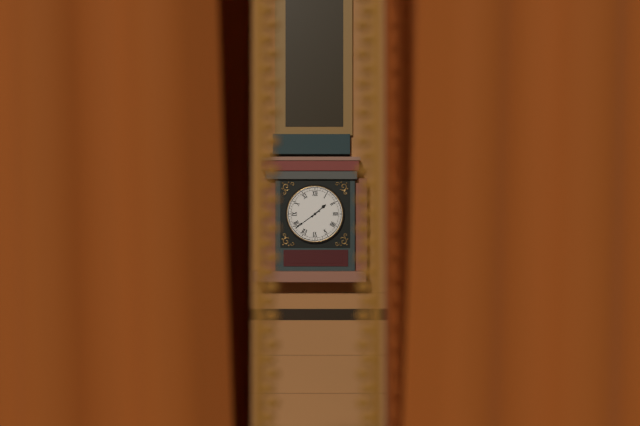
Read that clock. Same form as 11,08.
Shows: 1,39
